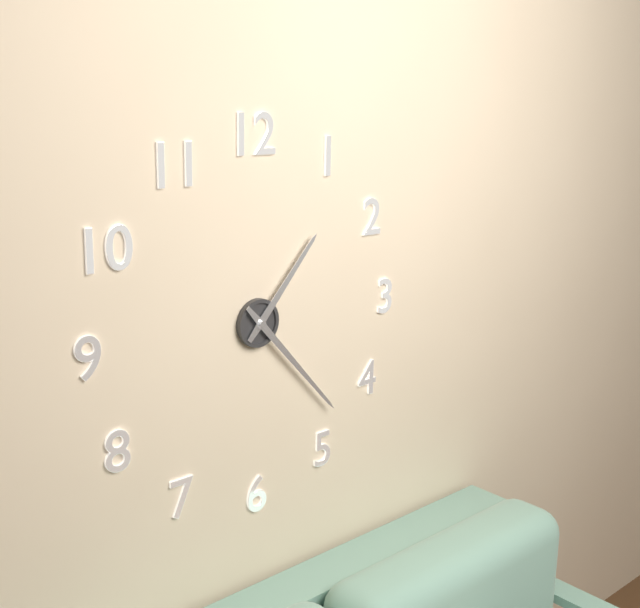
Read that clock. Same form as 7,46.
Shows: 1,23
